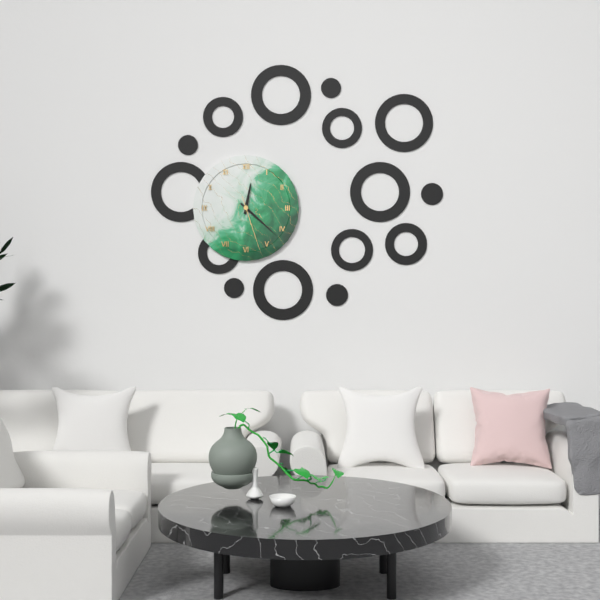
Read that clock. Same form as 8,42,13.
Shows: 12,22,27
